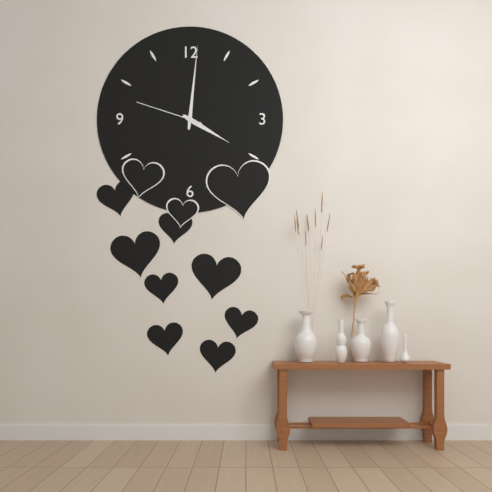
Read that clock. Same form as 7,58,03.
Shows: 4,01,48
